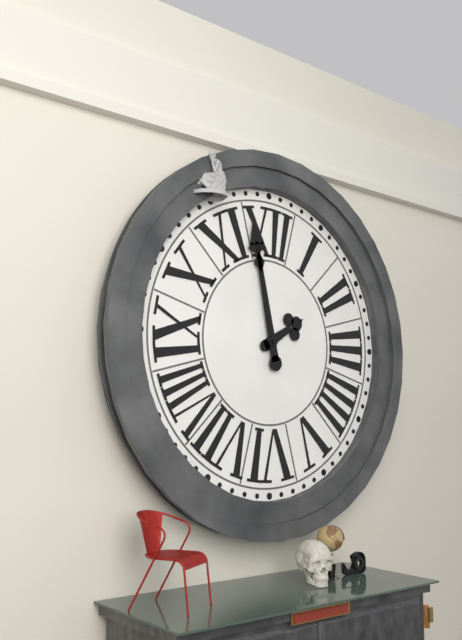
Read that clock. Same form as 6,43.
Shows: 1,58
